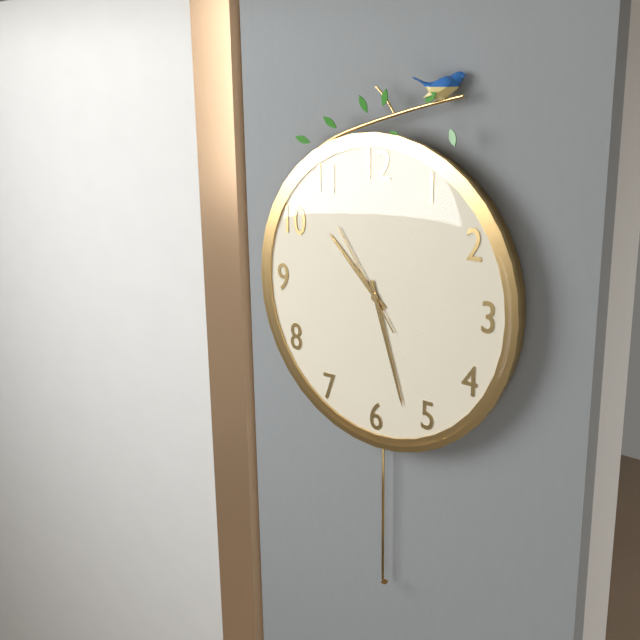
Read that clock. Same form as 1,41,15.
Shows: 10,27,54
